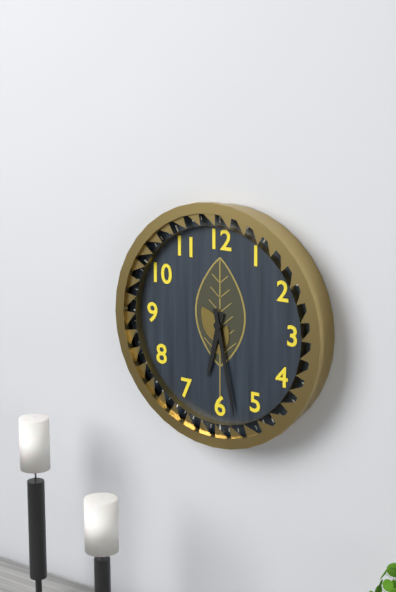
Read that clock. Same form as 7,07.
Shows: 6,28
